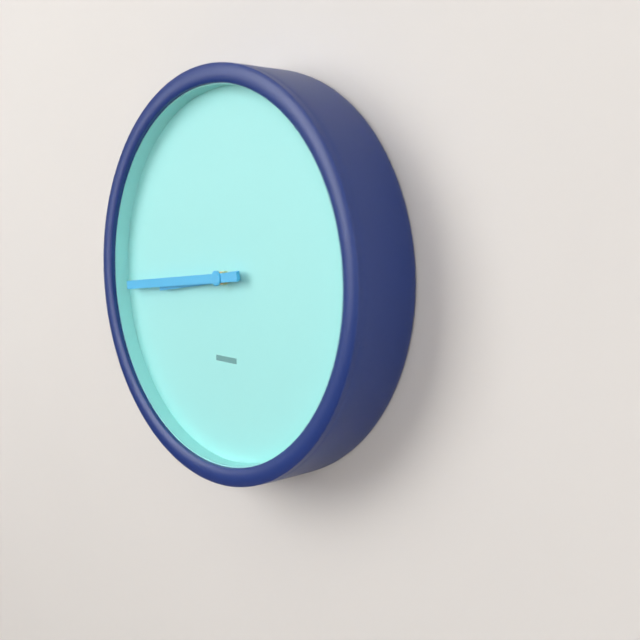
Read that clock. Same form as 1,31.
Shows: 8,44
